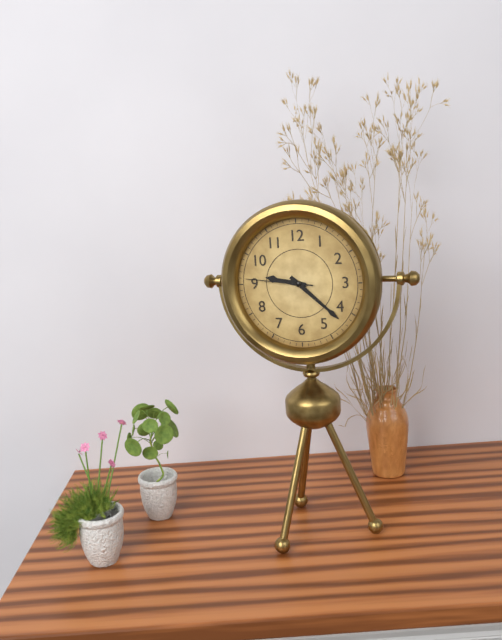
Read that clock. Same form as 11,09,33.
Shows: 9,22,46
